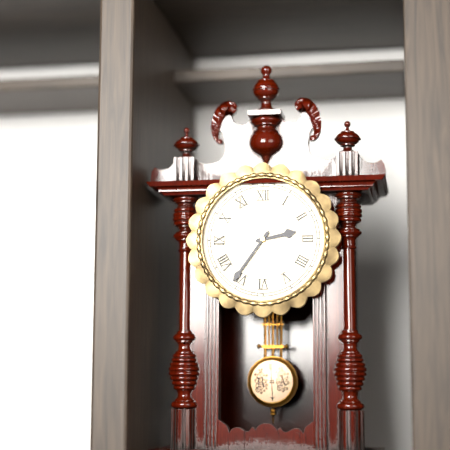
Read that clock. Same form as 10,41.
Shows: 2,36
